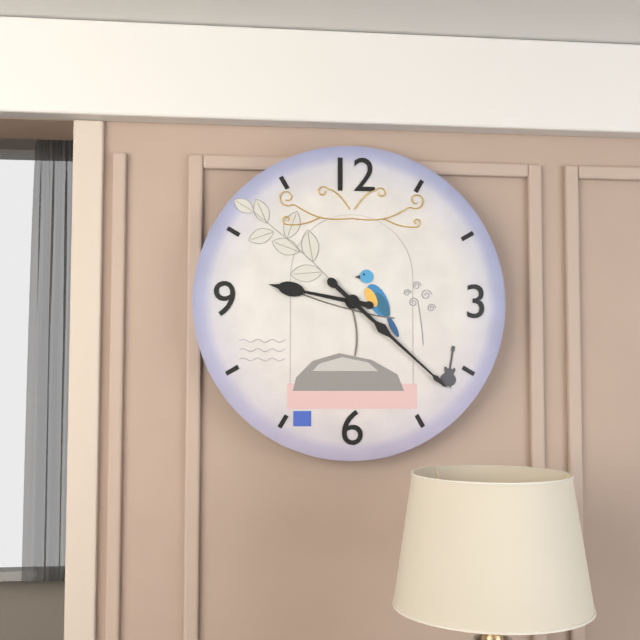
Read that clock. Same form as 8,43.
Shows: 9,22
